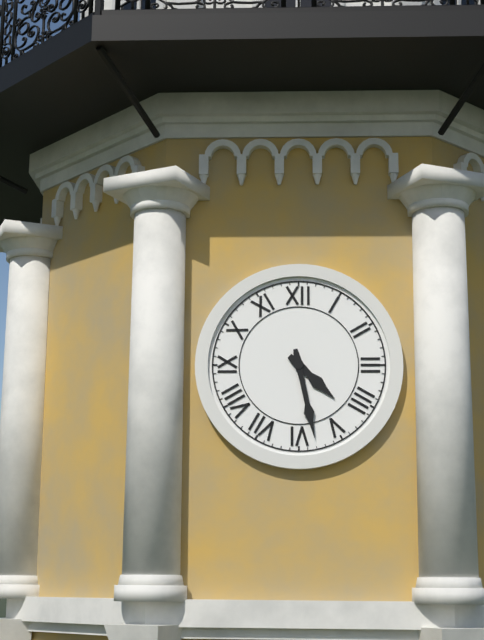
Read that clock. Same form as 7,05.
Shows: 4,28
